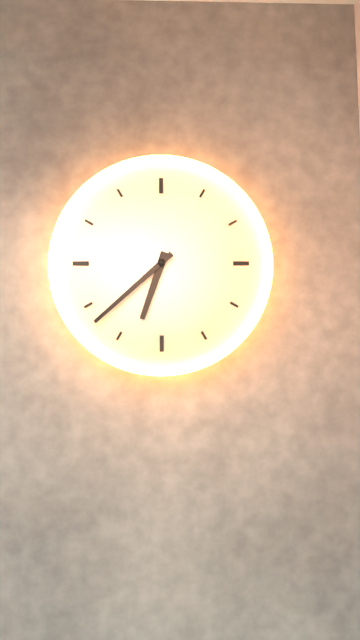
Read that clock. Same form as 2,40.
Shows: 6,38
